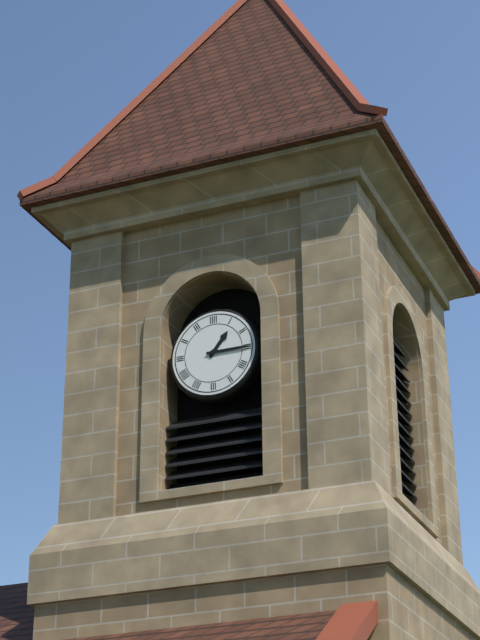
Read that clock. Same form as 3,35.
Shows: 1,15
